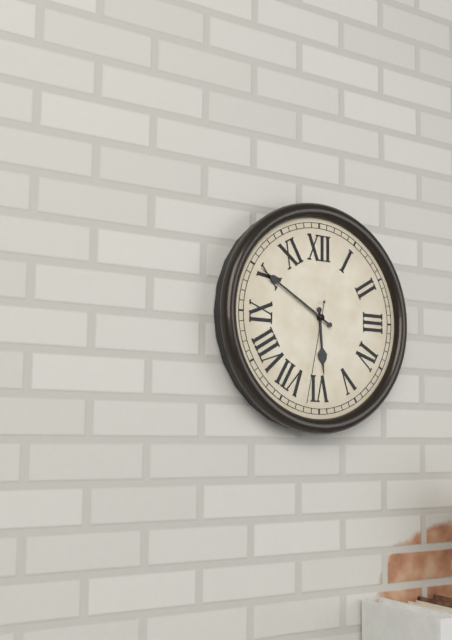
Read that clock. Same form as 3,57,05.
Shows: 5,50,32
